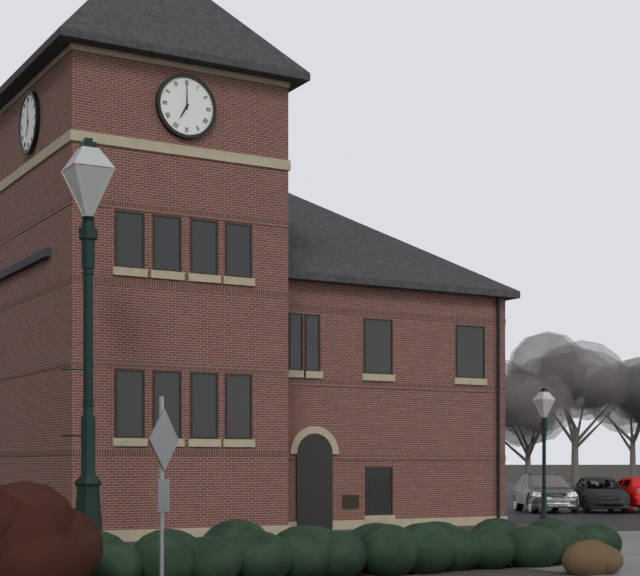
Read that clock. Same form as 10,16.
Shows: 7,00
